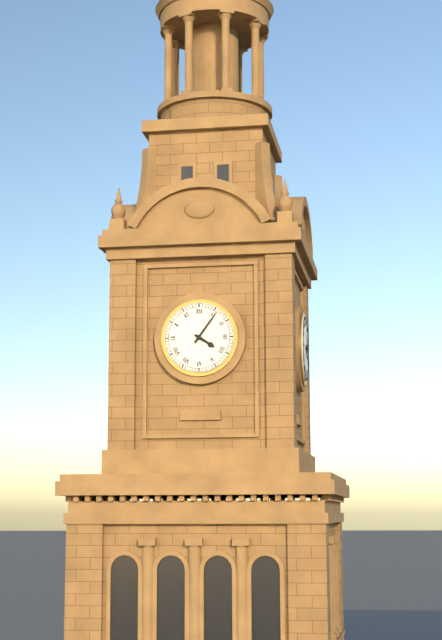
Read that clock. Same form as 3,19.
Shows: 4,06
